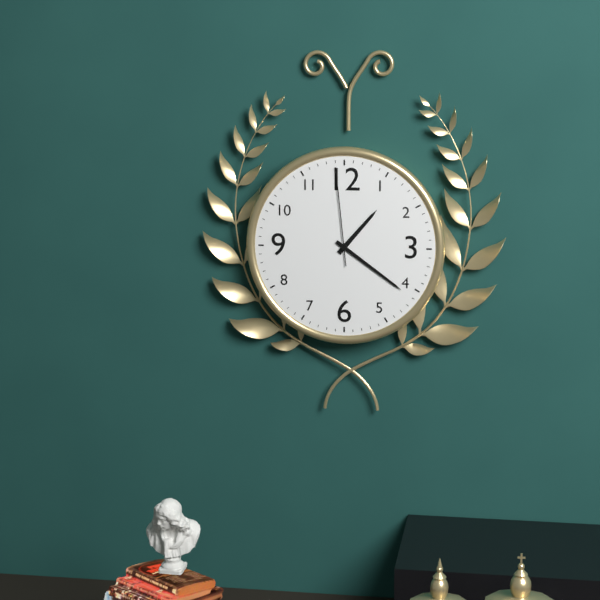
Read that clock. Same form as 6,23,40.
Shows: 1,21,59
